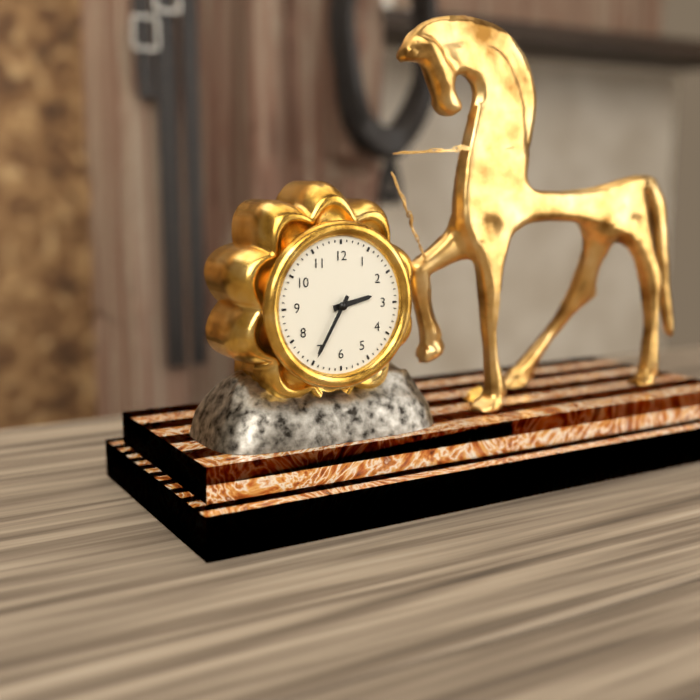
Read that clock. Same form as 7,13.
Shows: 2,35
